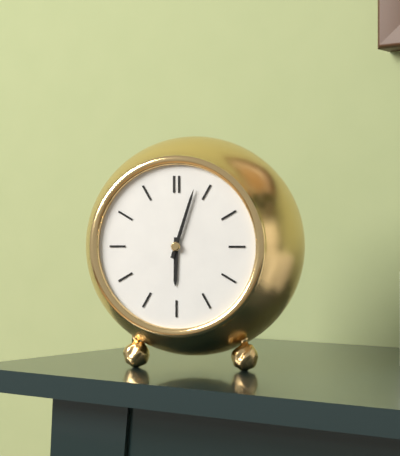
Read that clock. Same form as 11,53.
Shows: 6,03
